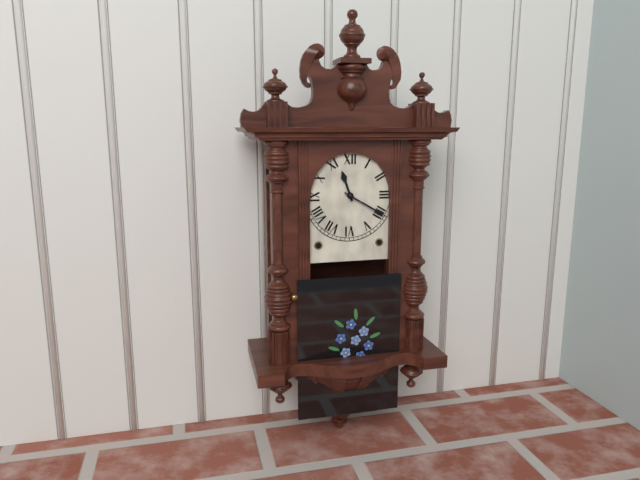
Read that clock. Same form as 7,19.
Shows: 11,20
